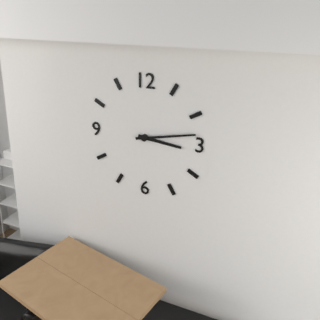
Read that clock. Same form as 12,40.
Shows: 3,13
